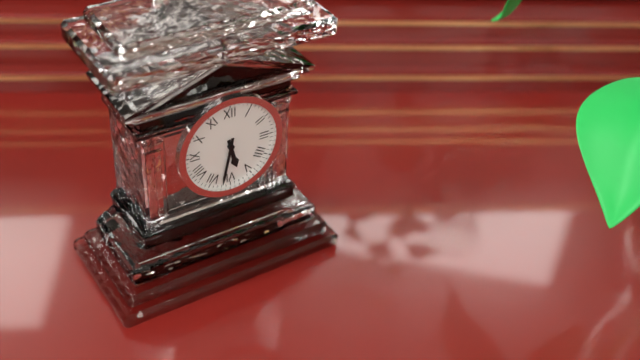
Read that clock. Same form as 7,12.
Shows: 5,32
